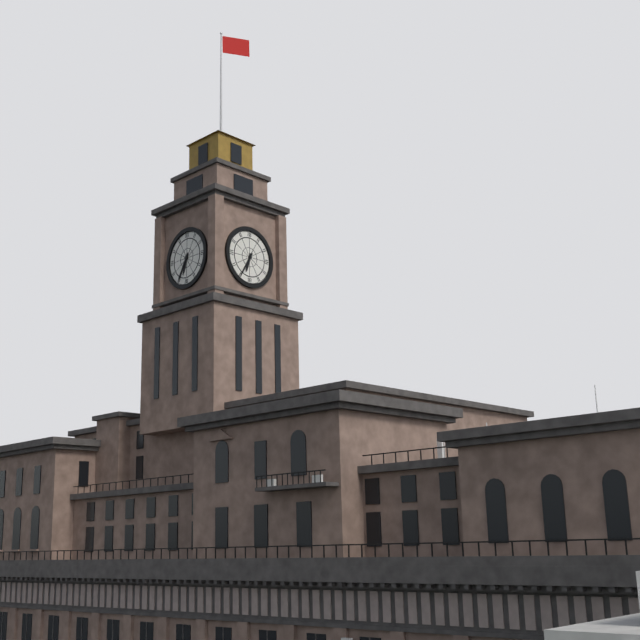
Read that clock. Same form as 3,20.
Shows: 6,35
